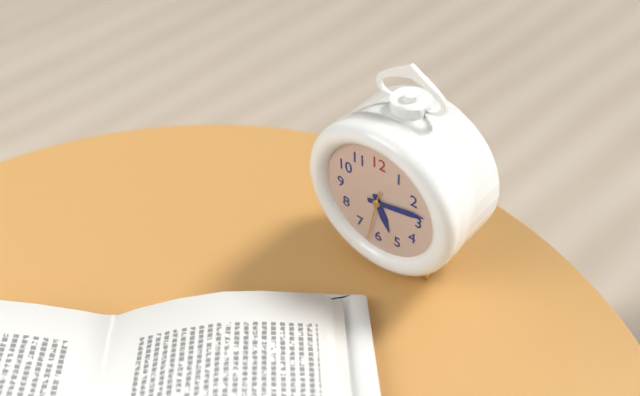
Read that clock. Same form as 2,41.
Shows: 5,13
